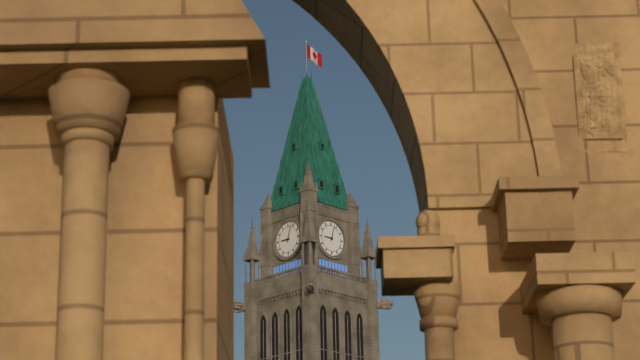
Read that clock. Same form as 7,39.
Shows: 9,03
